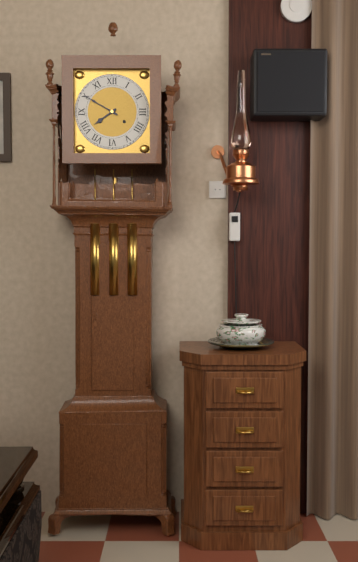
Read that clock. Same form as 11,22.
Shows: 7,50
